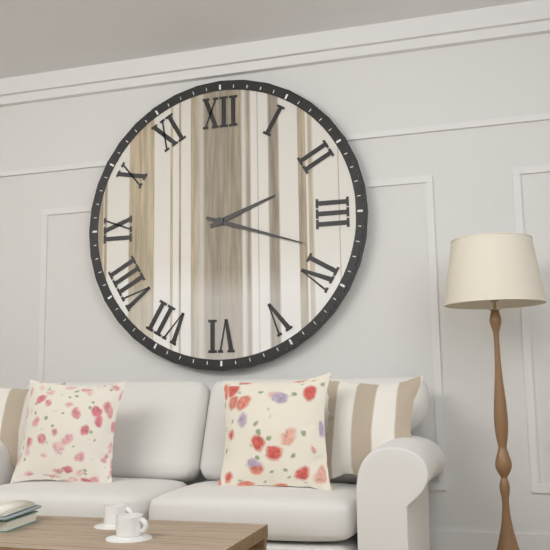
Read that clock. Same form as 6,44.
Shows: 2,18
